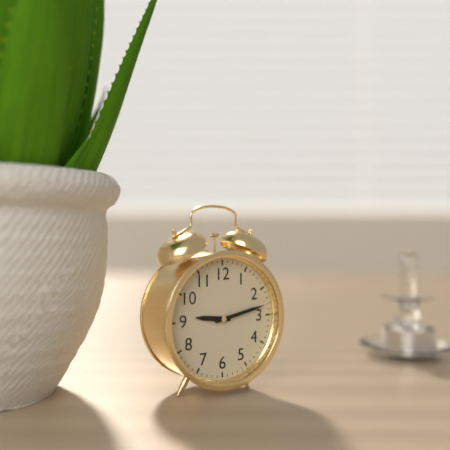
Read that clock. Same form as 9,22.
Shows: 9,13
